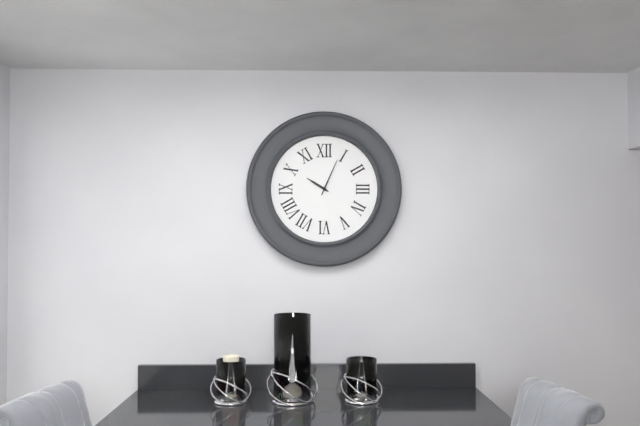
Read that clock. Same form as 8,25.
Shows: 10,04
